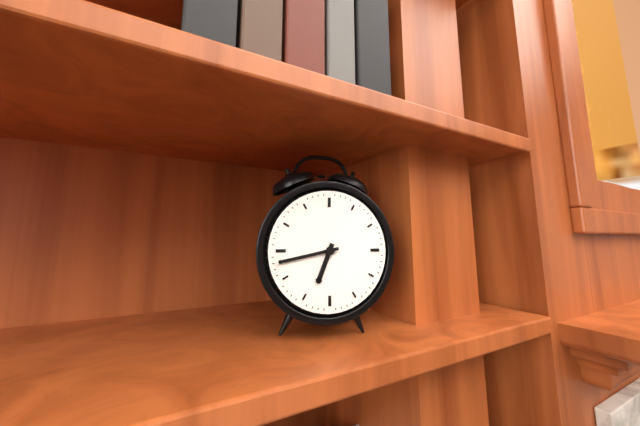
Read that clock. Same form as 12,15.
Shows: 6,43
